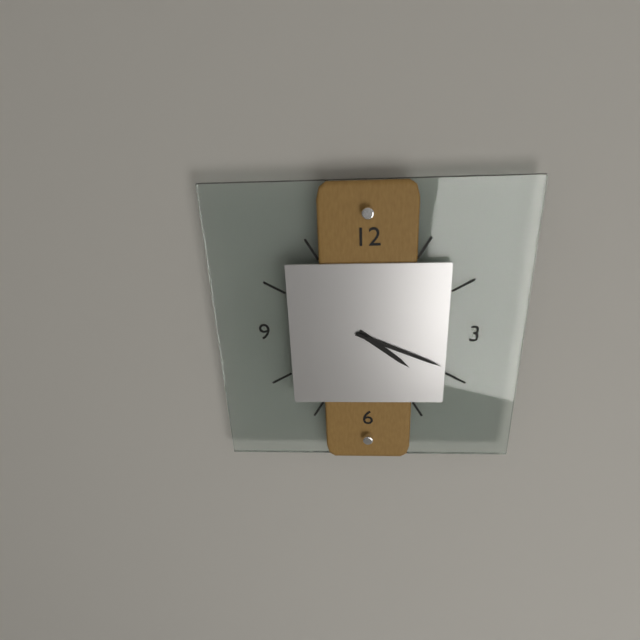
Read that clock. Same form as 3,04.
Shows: 4,19
